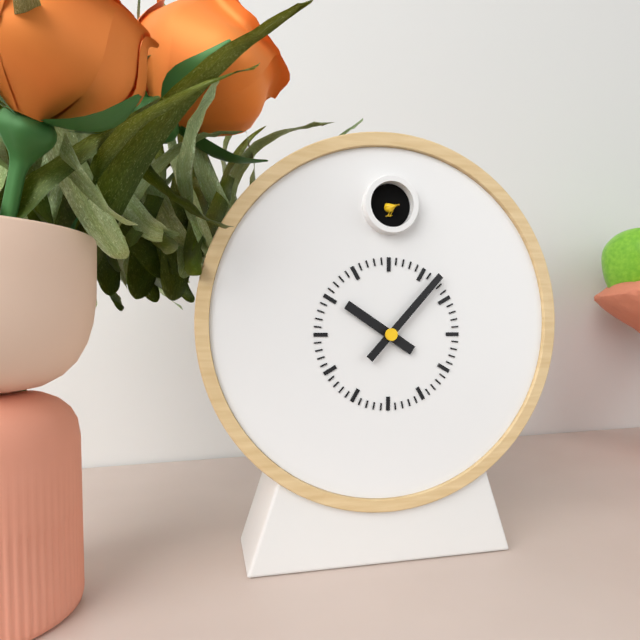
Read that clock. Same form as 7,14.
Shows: 10,07
